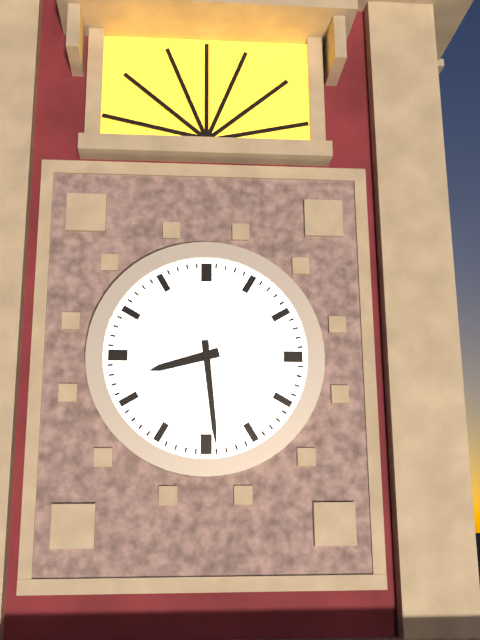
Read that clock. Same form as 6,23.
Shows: 8,29
